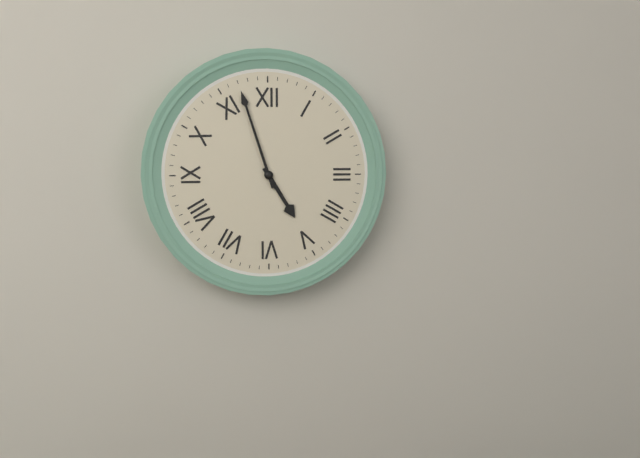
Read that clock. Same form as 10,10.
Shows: 4,57
